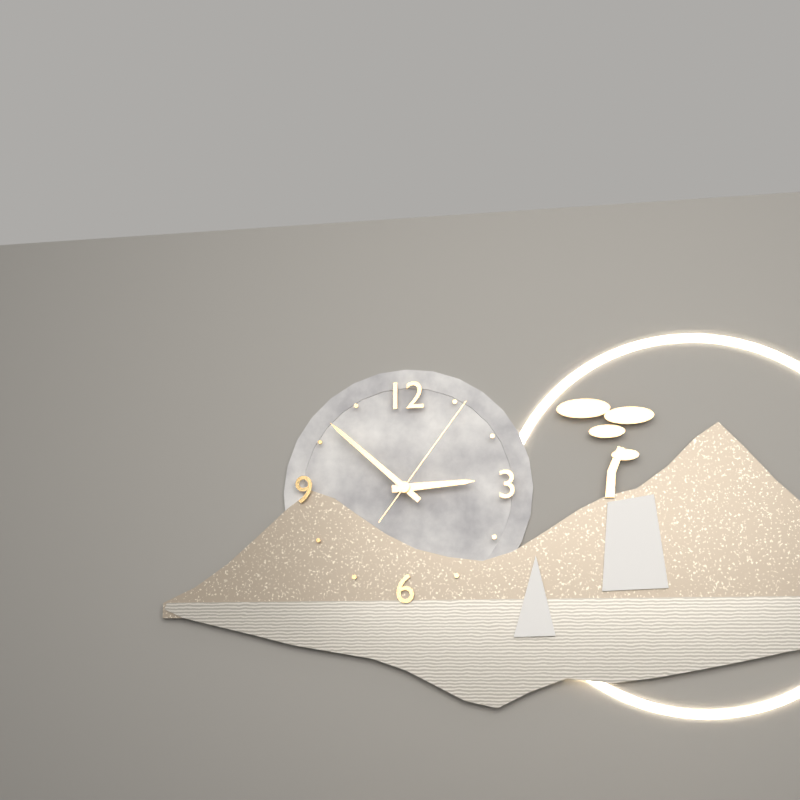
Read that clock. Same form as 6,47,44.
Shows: 2,52,06
